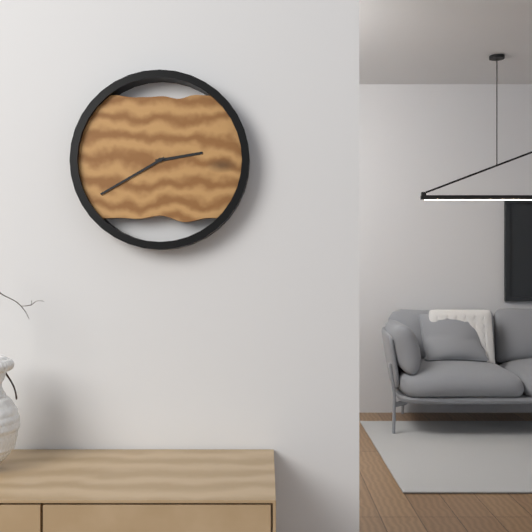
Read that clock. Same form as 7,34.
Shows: 2,40
